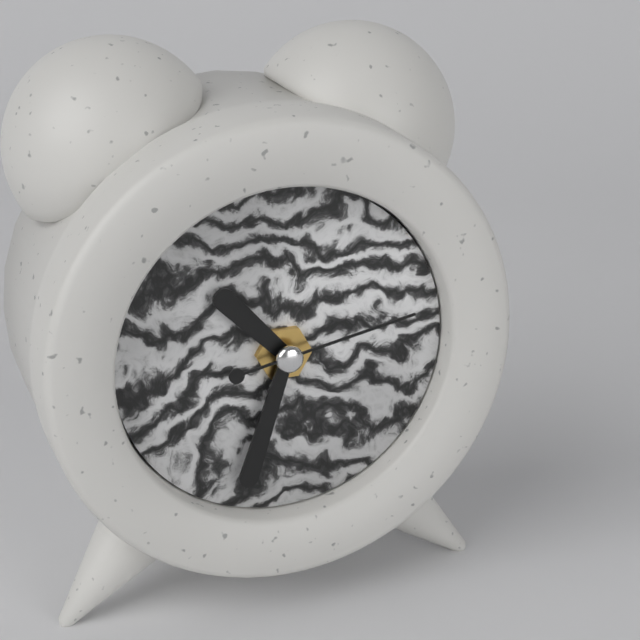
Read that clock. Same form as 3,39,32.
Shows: 10,33,13
